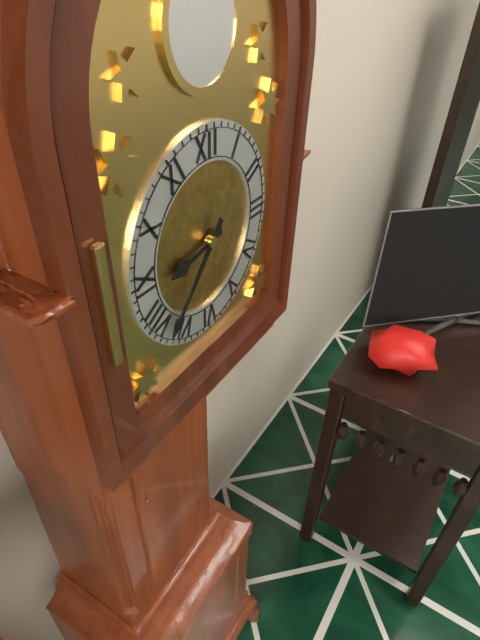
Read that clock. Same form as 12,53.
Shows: 8,37
